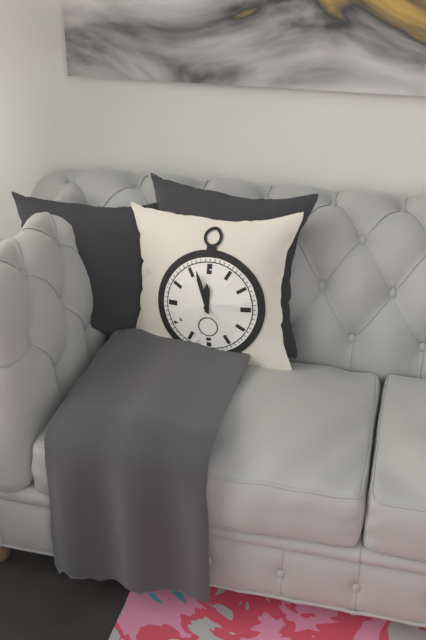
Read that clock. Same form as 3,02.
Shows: 11,57
